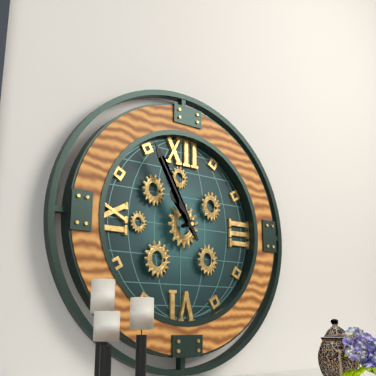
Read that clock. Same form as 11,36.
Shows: 10,55
